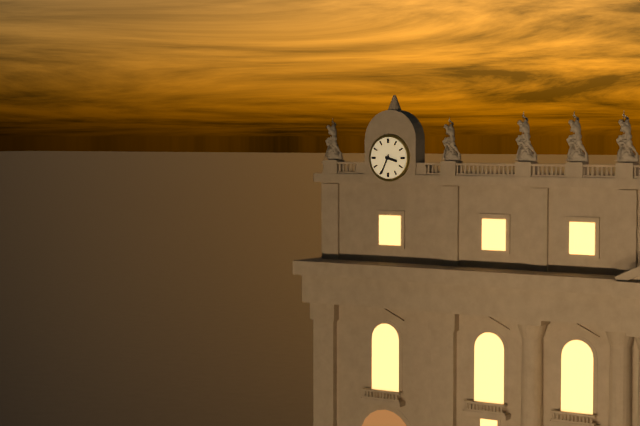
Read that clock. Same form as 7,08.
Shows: 3,34
